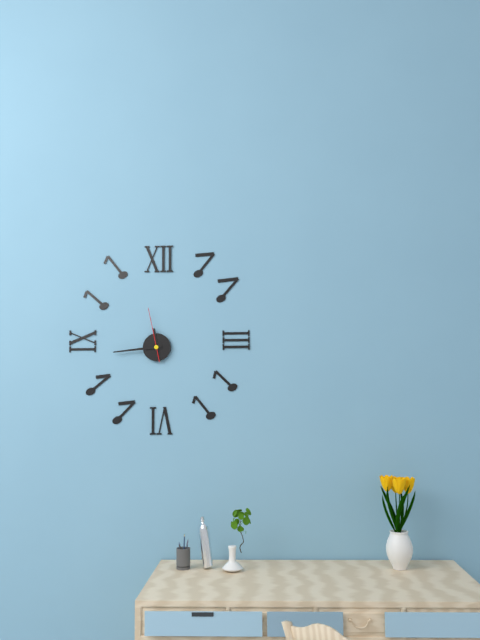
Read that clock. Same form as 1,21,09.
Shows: 11,44,58
